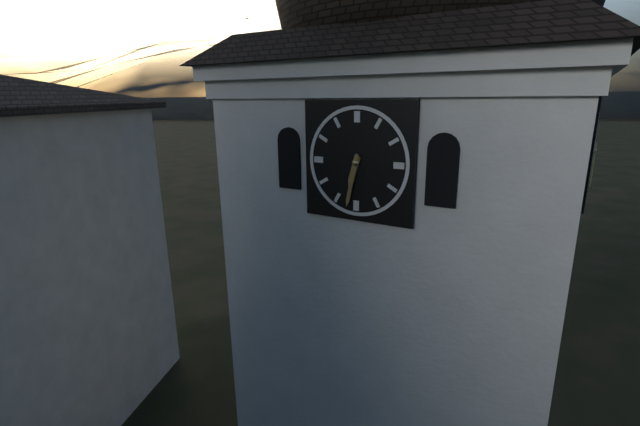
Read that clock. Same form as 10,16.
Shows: 6,32
